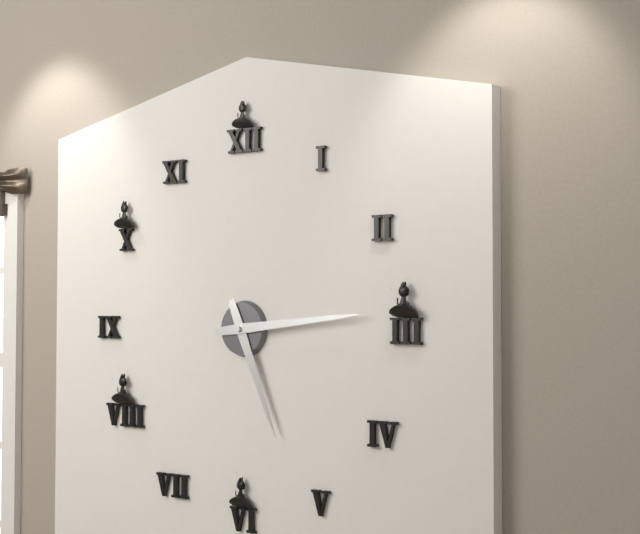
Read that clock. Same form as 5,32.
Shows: 5,14
